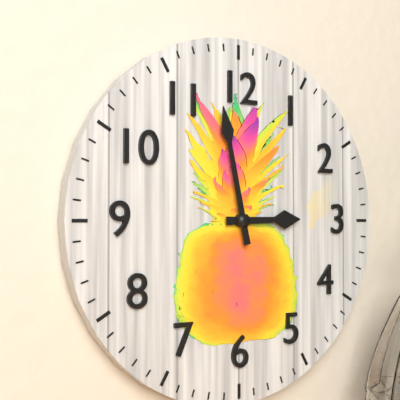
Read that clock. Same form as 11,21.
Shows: 2,58
